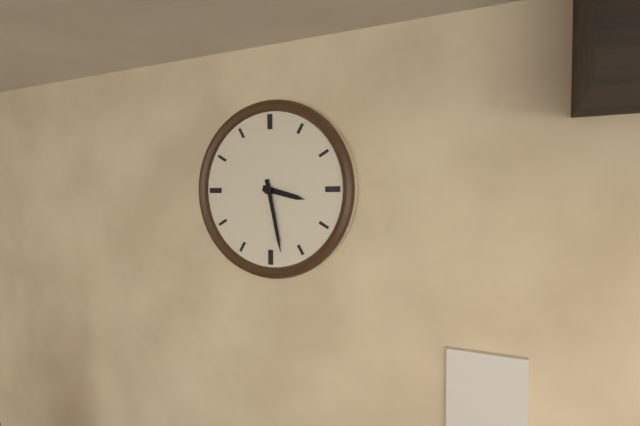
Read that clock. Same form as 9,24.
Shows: 3,28
